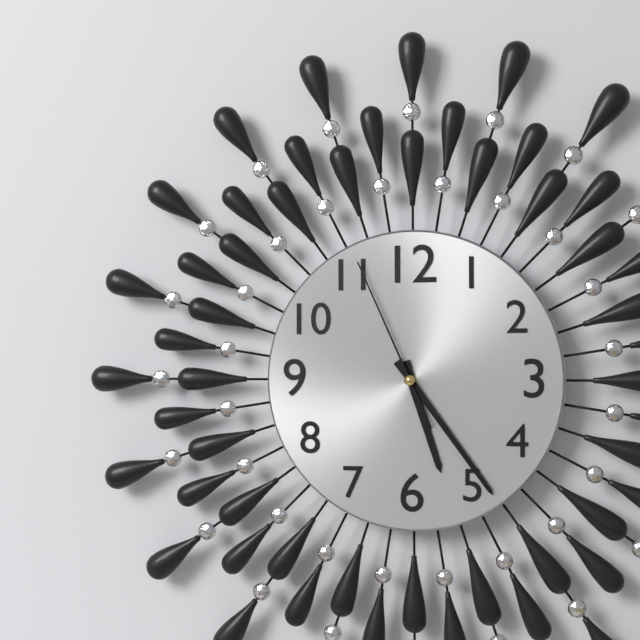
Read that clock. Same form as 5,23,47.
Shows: 5,24,56
